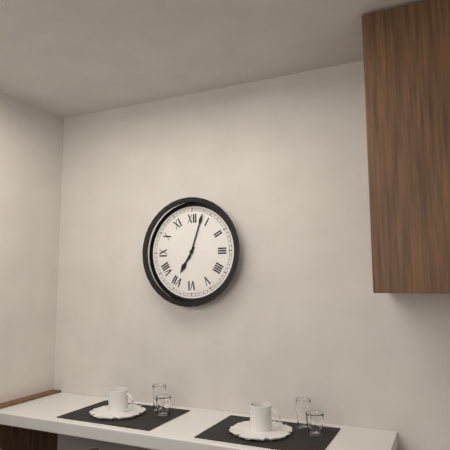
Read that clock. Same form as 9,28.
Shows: 7,03
